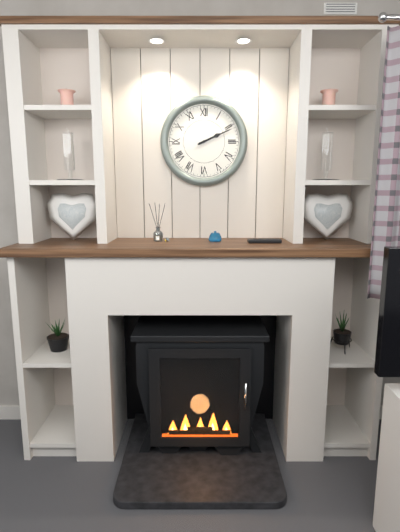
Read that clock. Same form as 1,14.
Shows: 2,11
